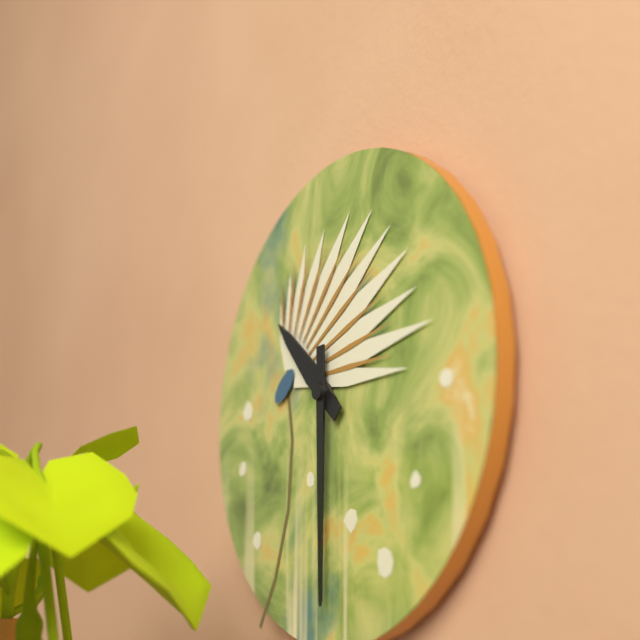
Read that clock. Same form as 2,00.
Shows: 10,30
